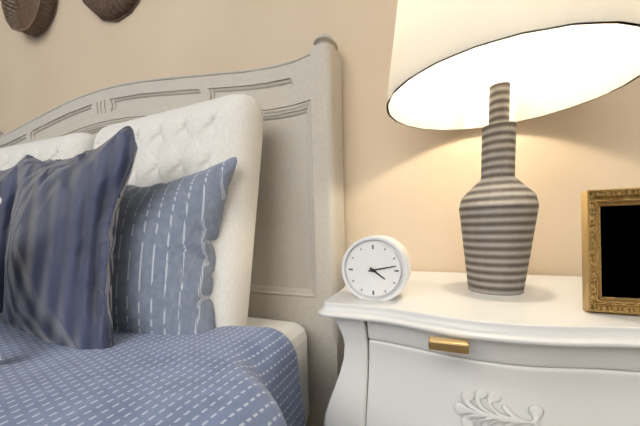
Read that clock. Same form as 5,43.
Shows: 4,13
